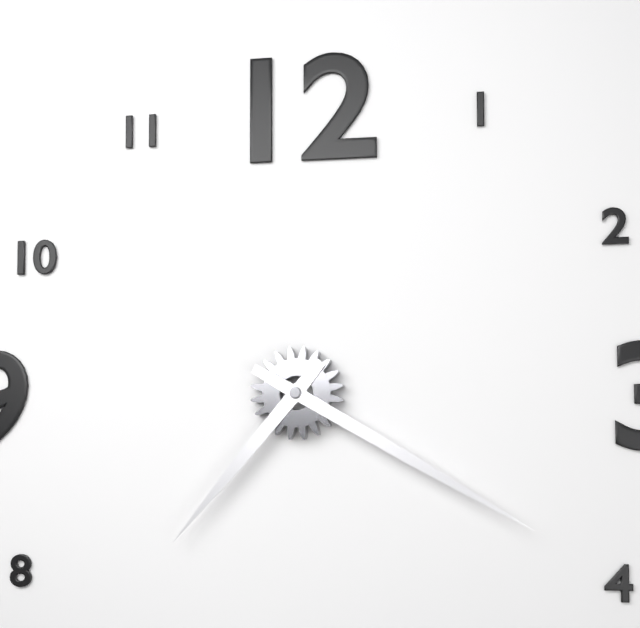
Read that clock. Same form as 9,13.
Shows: 7,20
